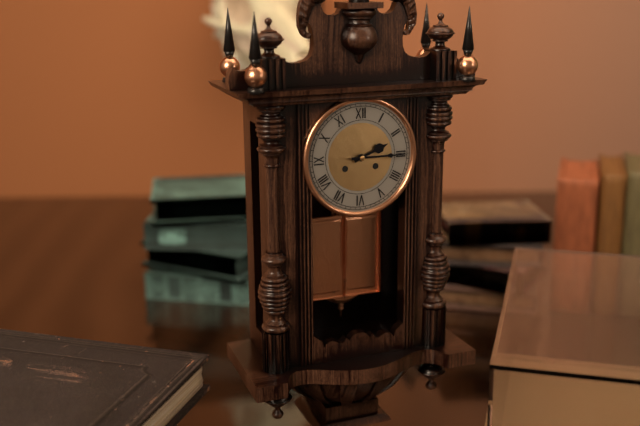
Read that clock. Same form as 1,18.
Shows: 2,15
